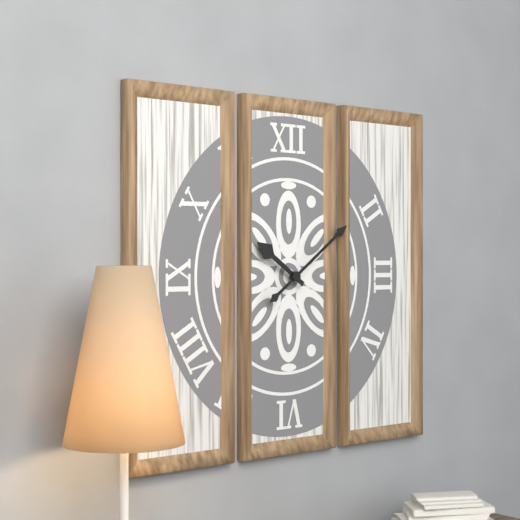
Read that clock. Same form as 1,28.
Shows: 10,09
